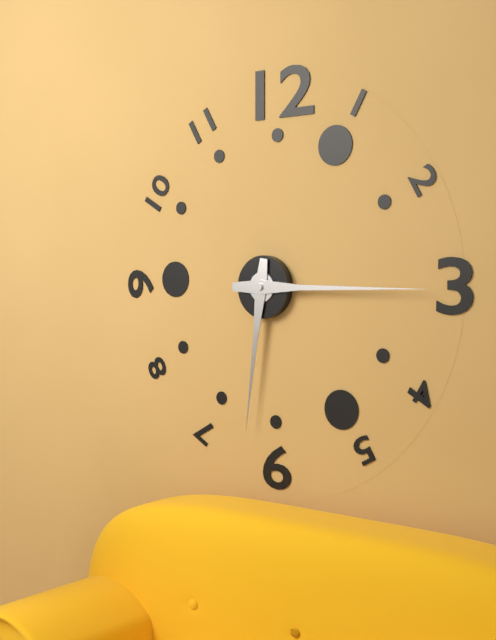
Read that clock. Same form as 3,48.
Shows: 6,15
